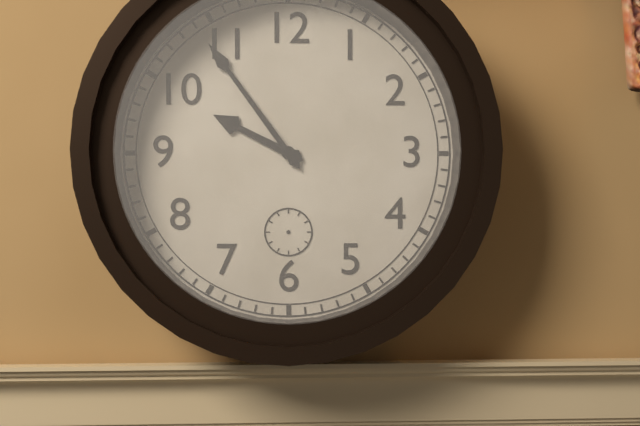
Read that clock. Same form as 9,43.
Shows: 9,54
